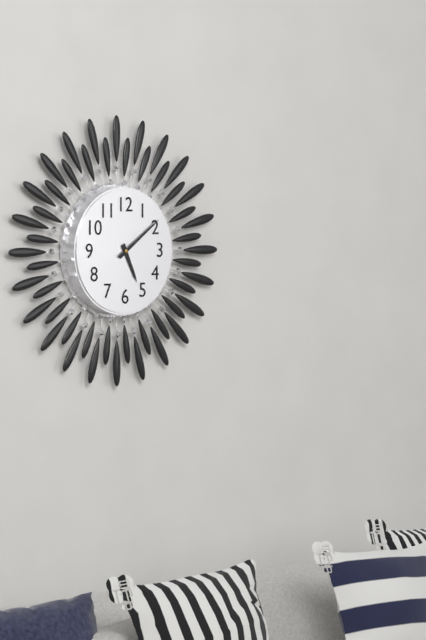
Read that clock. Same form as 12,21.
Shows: 5,09
